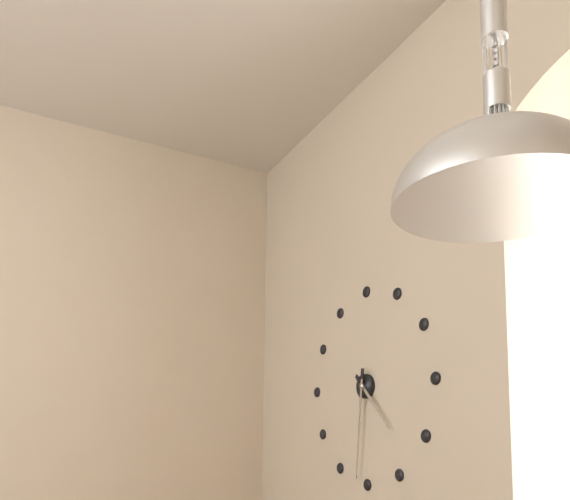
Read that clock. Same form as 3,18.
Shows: 4,31
